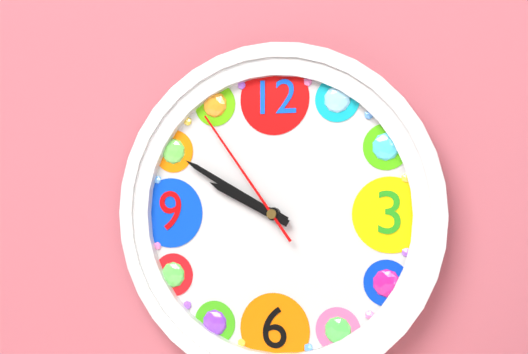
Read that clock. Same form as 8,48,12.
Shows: 9,50,54
